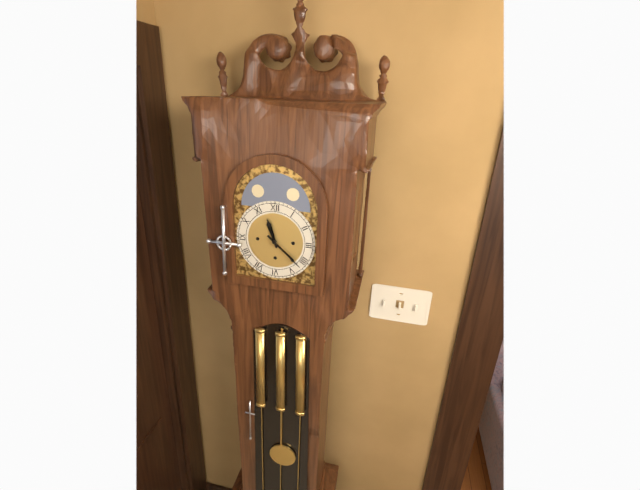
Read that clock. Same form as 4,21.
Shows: 11,22
